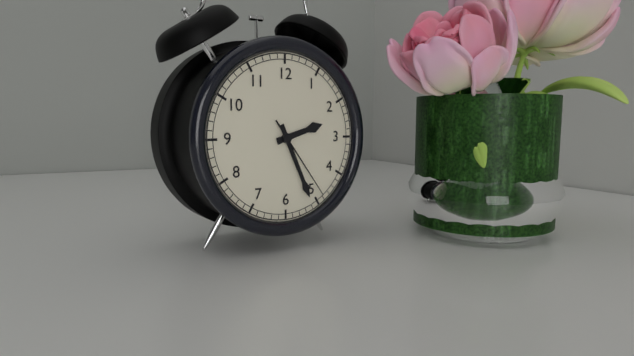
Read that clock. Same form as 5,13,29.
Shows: 2,26,24
